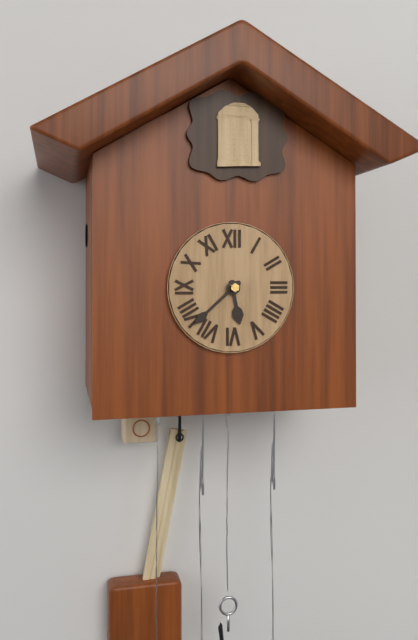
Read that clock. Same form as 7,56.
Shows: 5,38
